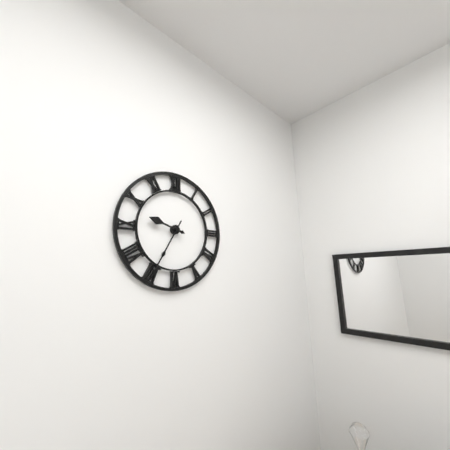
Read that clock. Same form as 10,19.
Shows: 9,35
